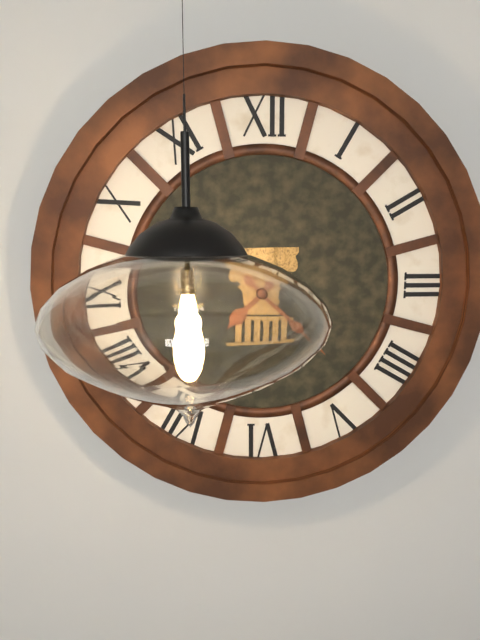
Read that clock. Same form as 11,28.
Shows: 7,23
